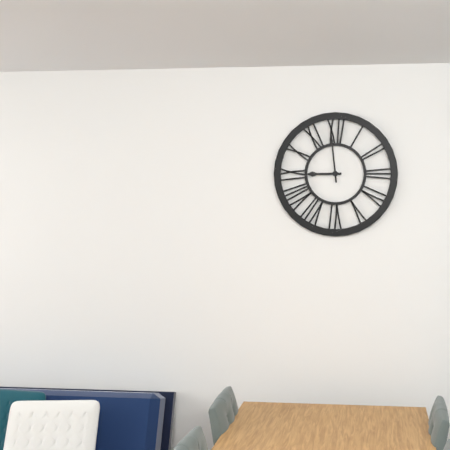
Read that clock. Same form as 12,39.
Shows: 8,59
